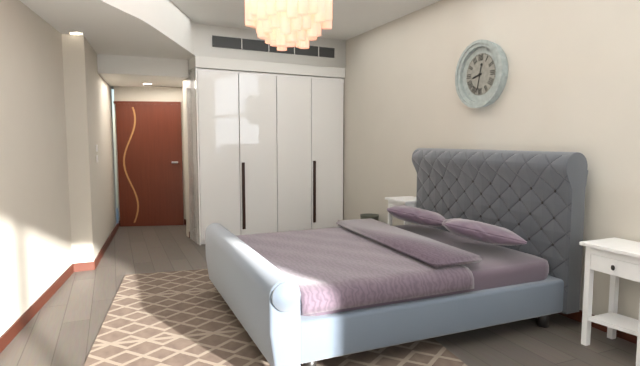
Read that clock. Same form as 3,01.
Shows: 8,32
